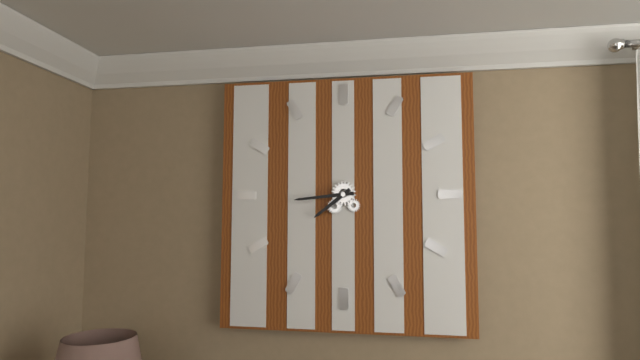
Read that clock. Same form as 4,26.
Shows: 7,44
